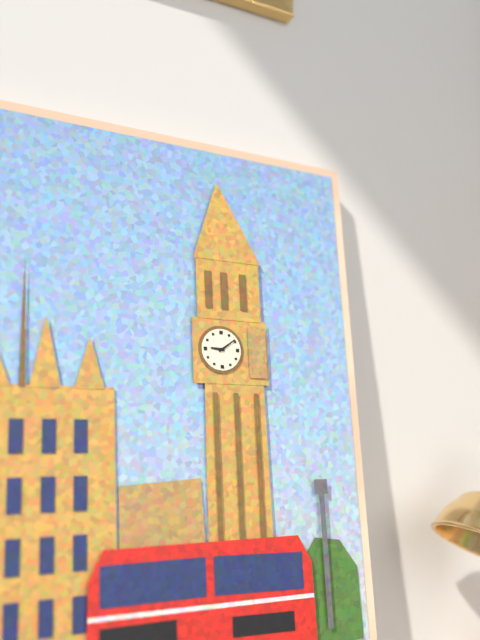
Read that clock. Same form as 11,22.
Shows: 9,09
